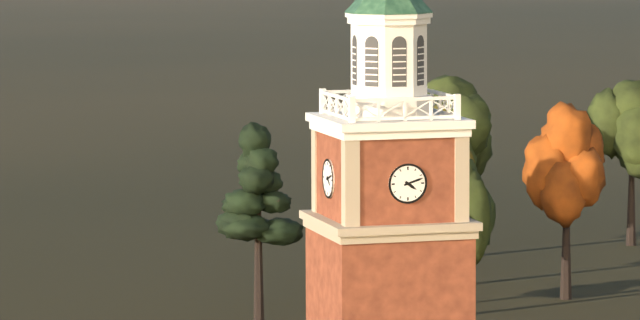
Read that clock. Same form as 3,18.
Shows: 4,12
